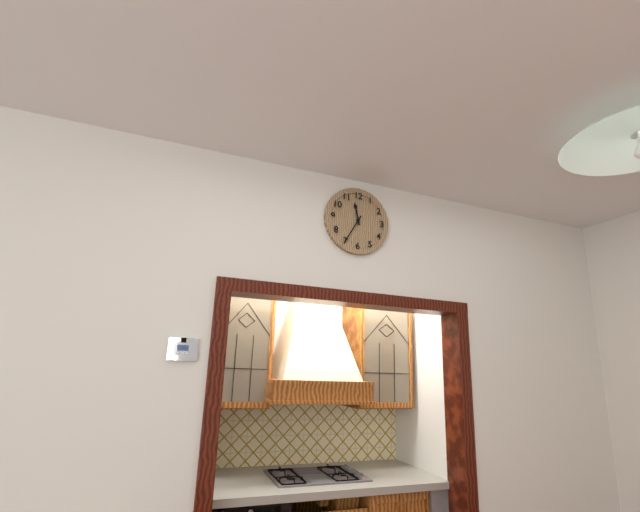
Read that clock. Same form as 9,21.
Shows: 11,35
